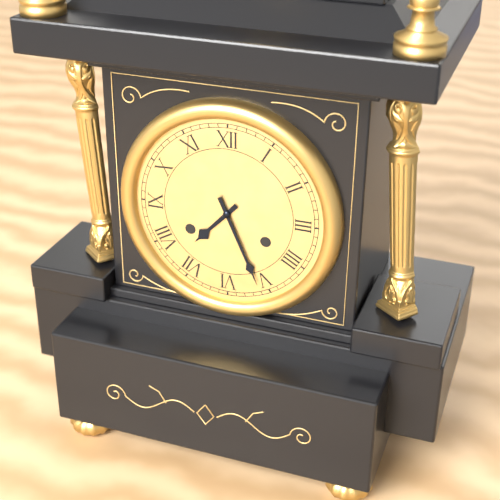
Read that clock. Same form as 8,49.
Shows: 7,26
